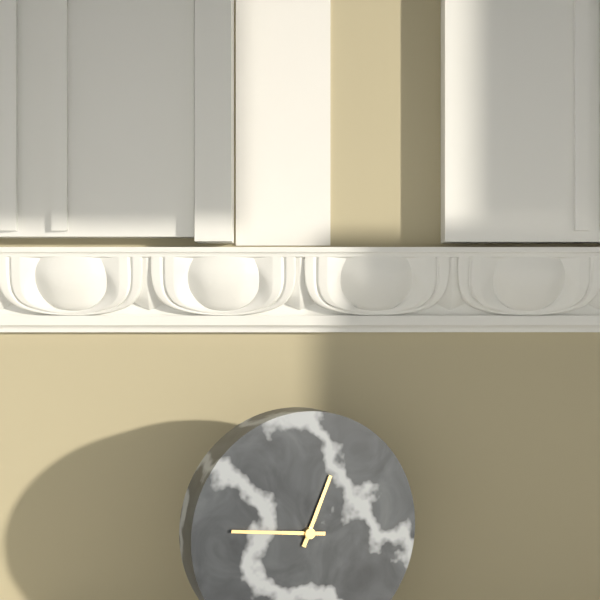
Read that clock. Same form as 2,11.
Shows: 12,46
